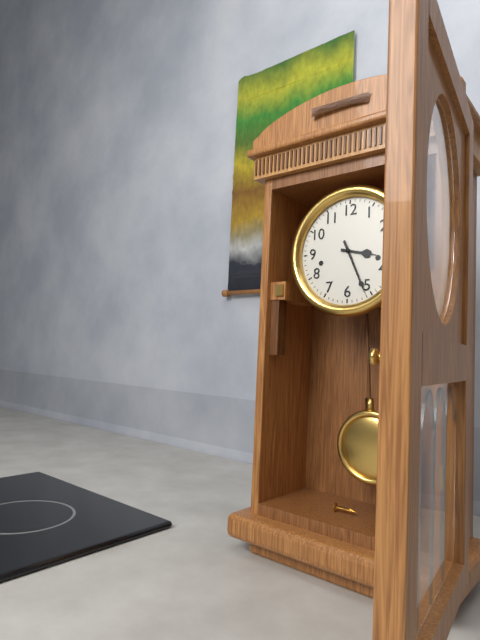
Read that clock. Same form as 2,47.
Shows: 3,26
